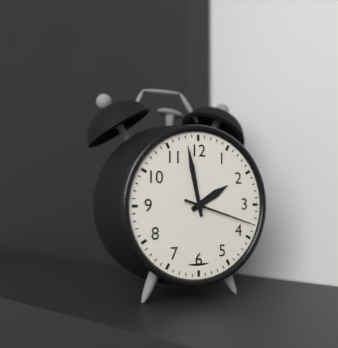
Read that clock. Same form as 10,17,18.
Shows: 1,58,18
